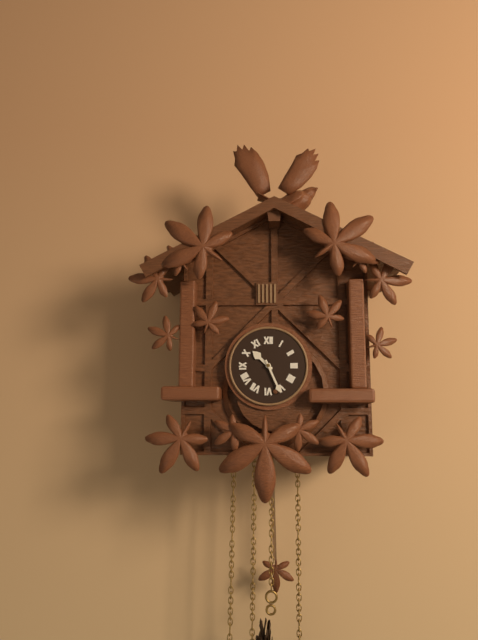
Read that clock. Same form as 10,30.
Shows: 10,26
